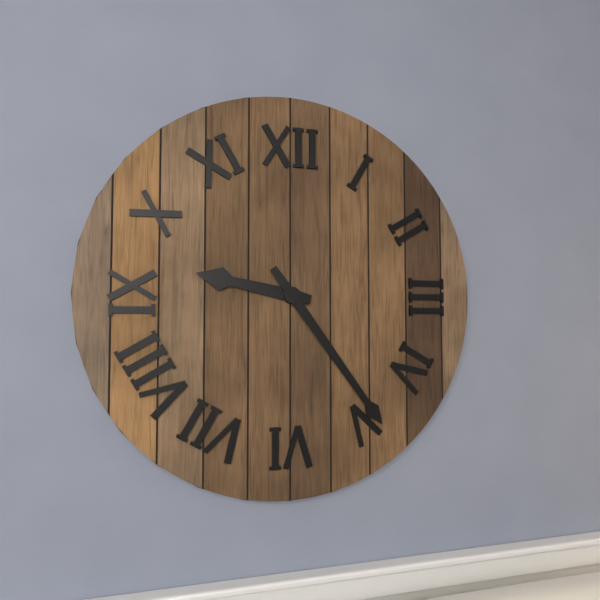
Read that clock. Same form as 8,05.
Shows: 9,24
